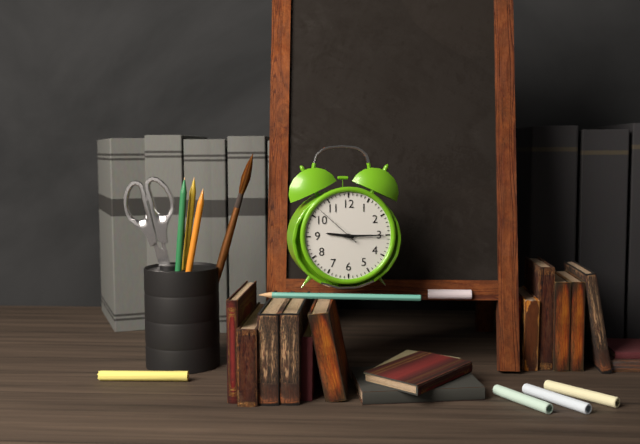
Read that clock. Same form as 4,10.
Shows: 9,15
